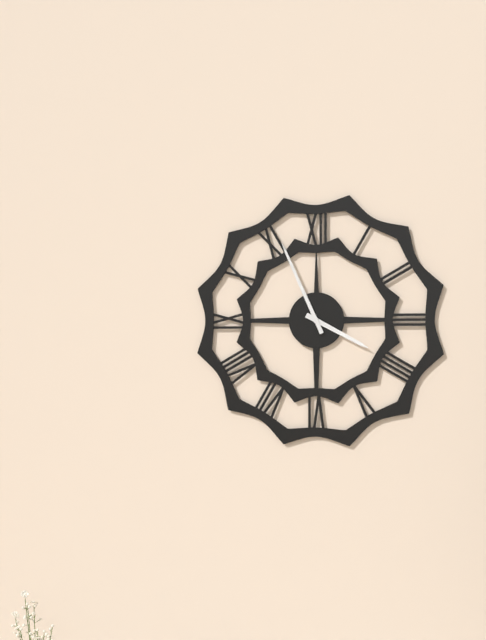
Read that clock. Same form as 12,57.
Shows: 3,56
